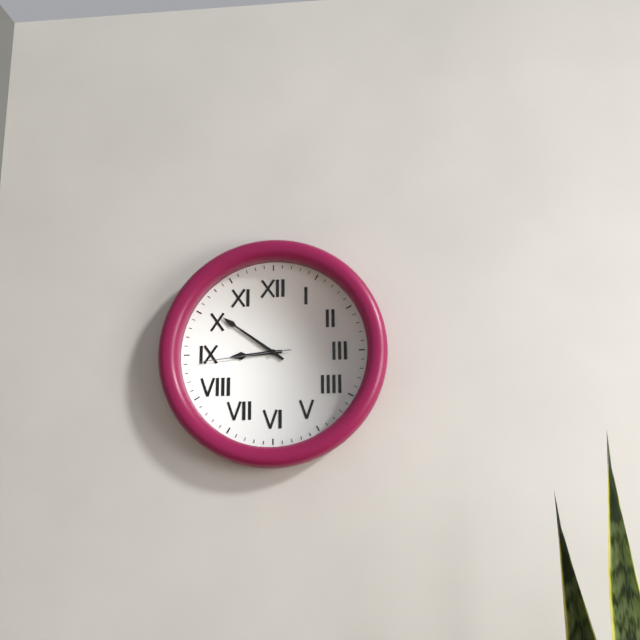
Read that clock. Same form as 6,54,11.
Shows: 8,51,44
